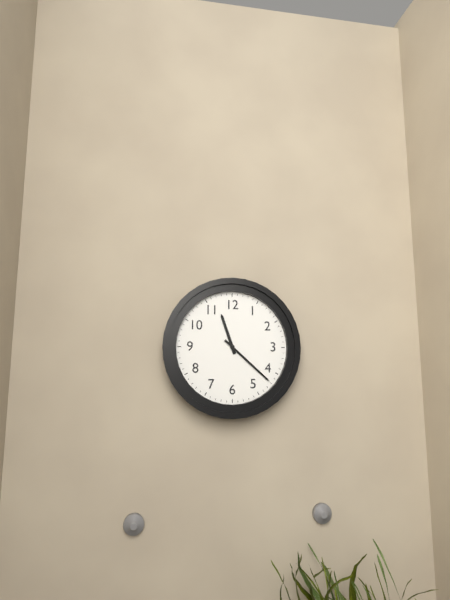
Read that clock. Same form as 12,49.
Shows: 11,22
